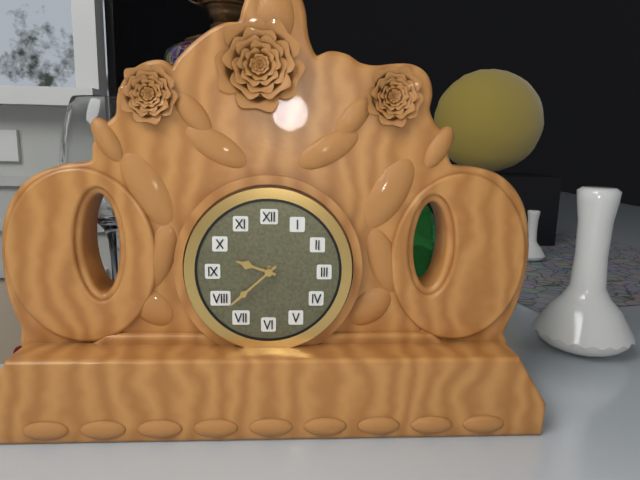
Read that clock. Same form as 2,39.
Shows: 9,38
